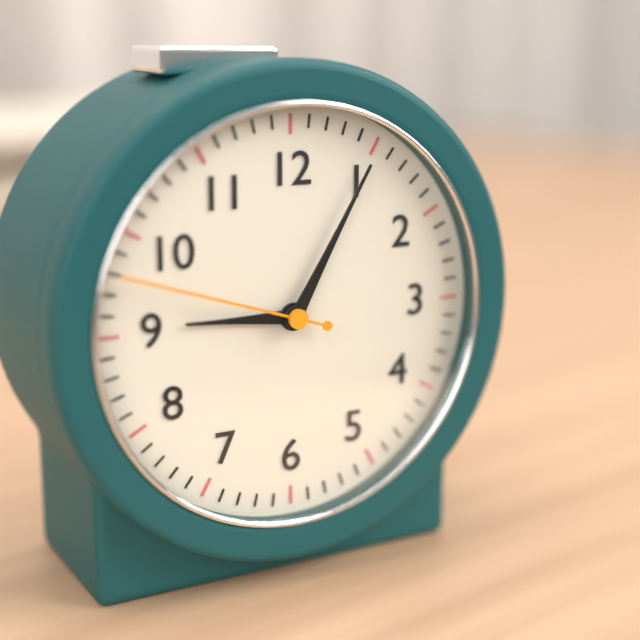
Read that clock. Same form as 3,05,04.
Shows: 9,05,48
